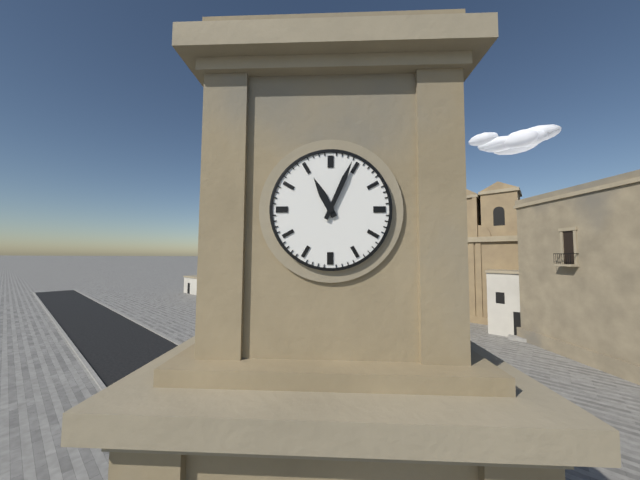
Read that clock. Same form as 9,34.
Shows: 11,04
